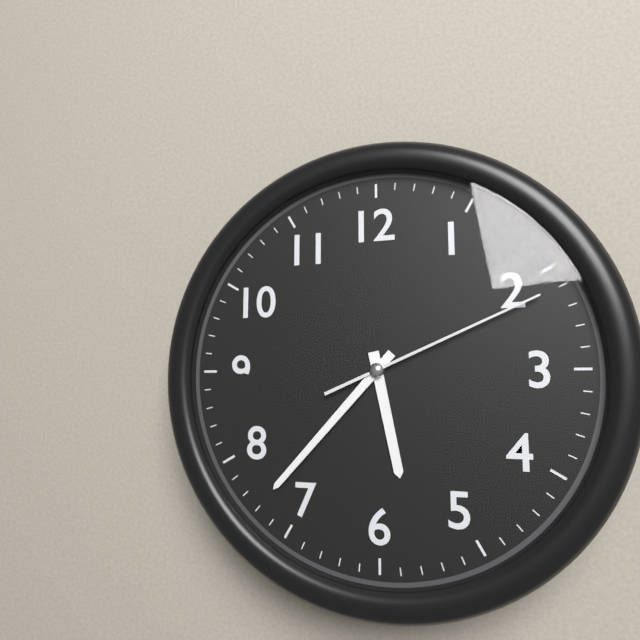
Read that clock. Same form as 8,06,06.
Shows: 5,37,11
